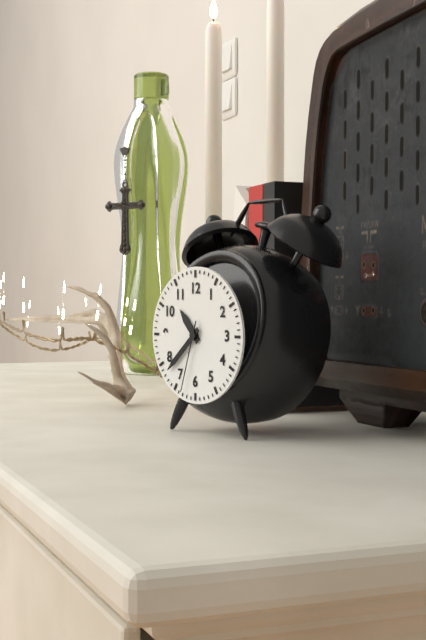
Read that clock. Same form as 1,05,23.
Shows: 10,38,33
